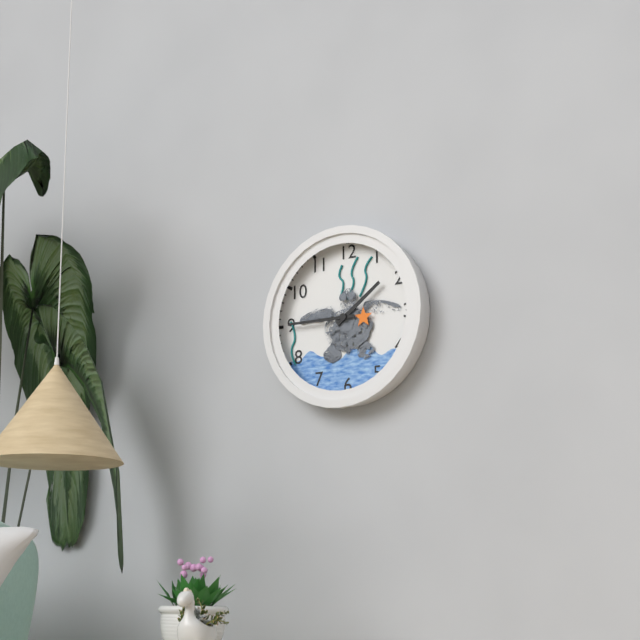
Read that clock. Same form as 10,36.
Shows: 1,45
